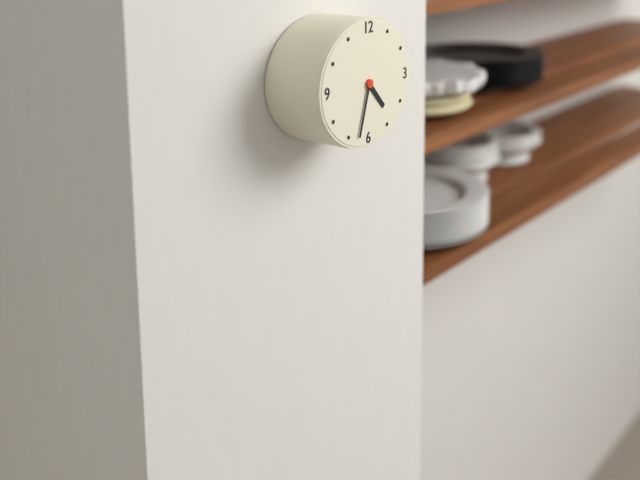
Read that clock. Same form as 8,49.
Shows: 4,33
